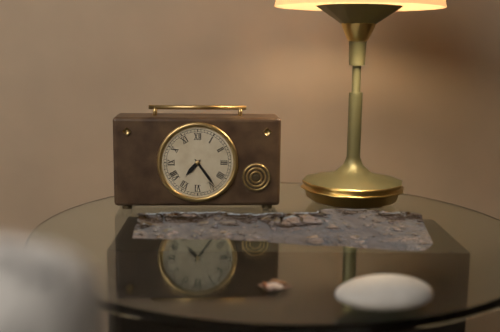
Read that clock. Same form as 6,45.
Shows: 7,24
